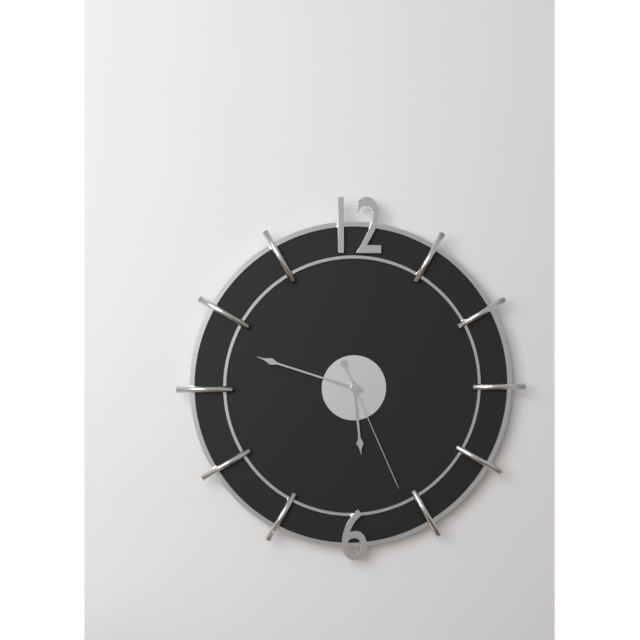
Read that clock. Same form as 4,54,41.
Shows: 5,48,26
